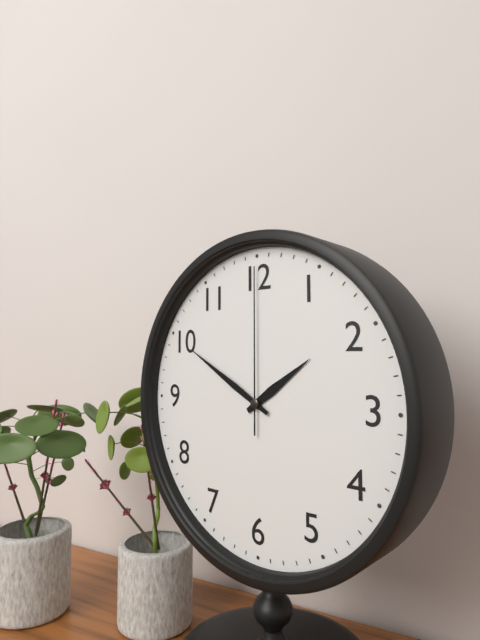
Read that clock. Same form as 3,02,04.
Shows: 1,50,00
